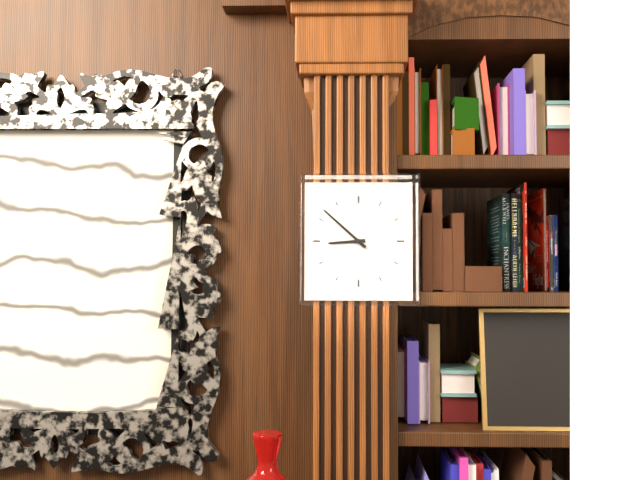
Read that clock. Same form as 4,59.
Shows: 8,52
